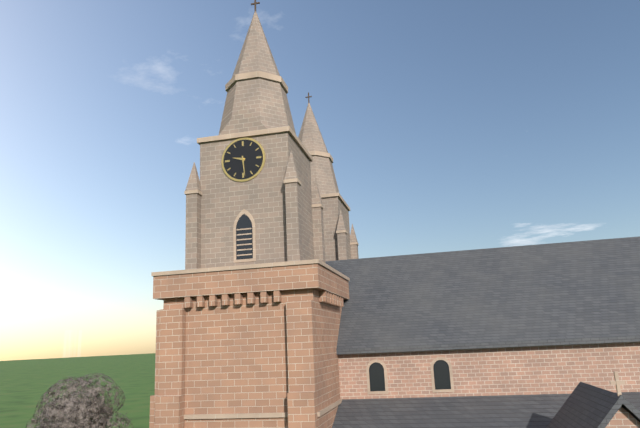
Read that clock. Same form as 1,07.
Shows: 9,29
